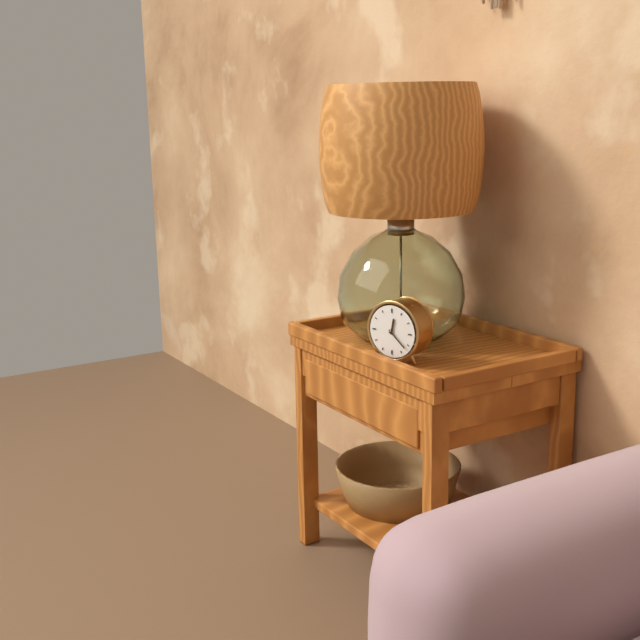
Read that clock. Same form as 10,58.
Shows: 12,22
